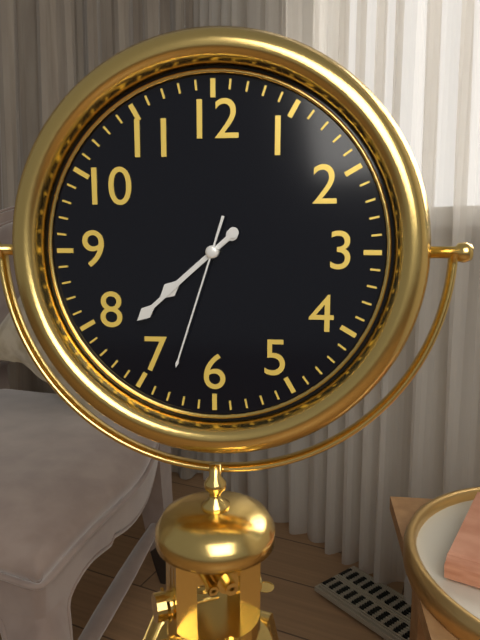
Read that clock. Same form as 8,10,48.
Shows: 7,38,33
